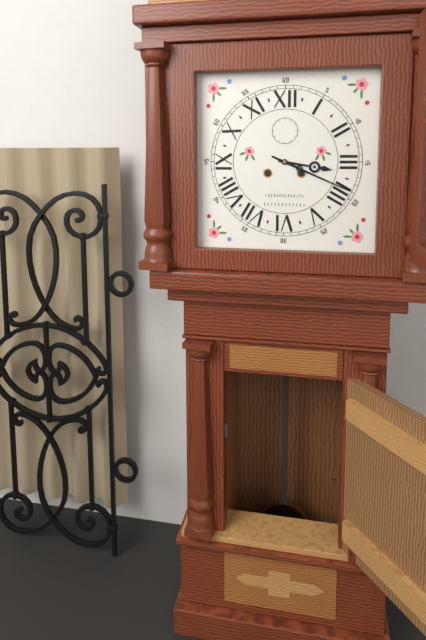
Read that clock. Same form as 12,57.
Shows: 3,19
